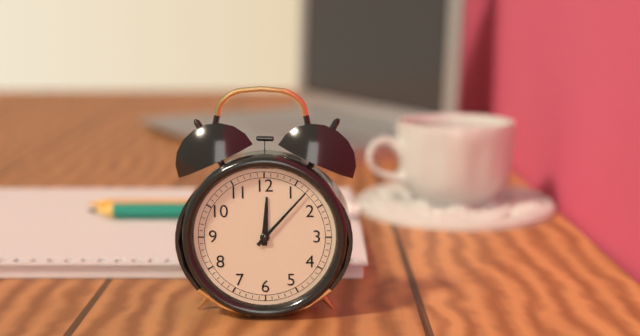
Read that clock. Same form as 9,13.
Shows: 12,07
